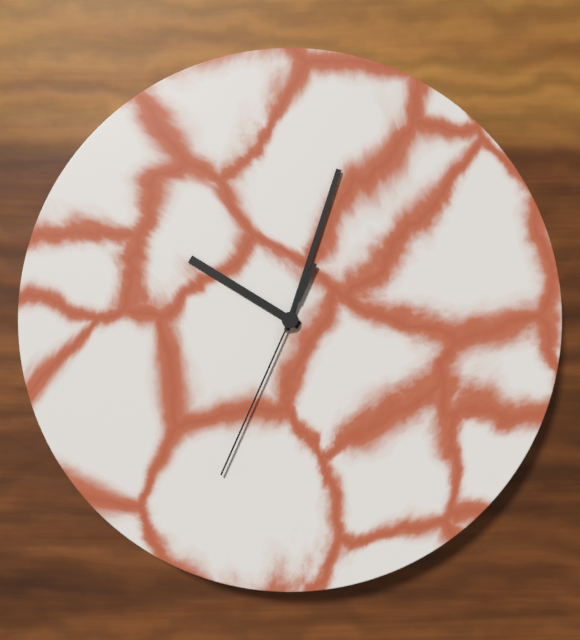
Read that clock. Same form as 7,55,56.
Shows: 10,03,34
